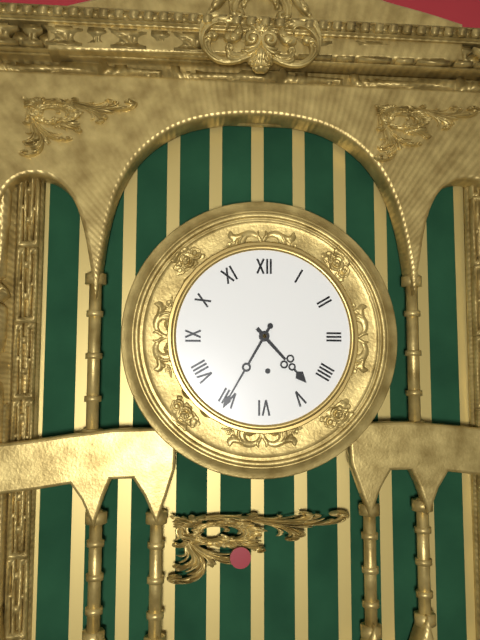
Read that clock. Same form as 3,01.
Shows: 4,35
